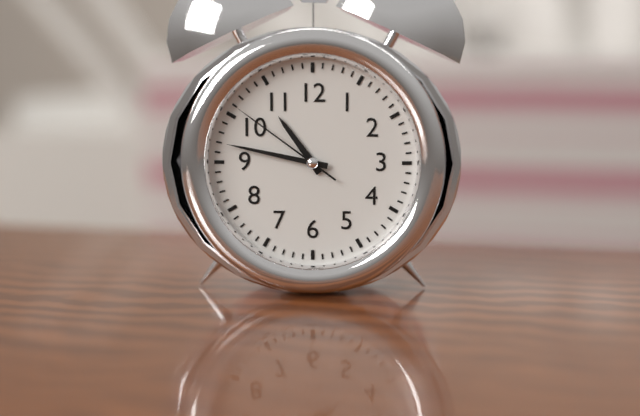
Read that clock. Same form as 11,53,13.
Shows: 10,47,51
